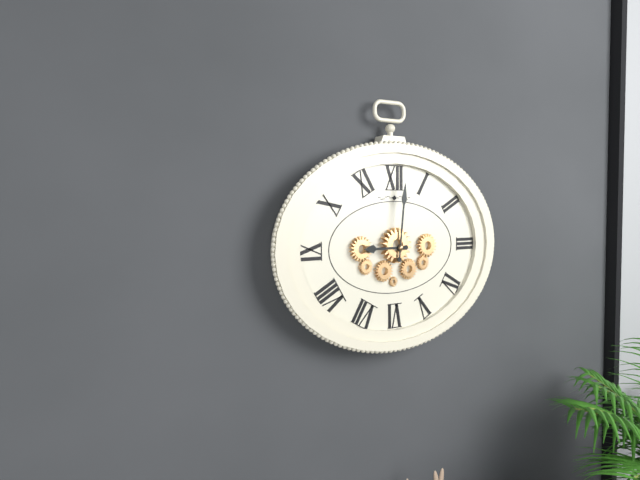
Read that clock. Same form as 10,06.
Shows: 9,01
